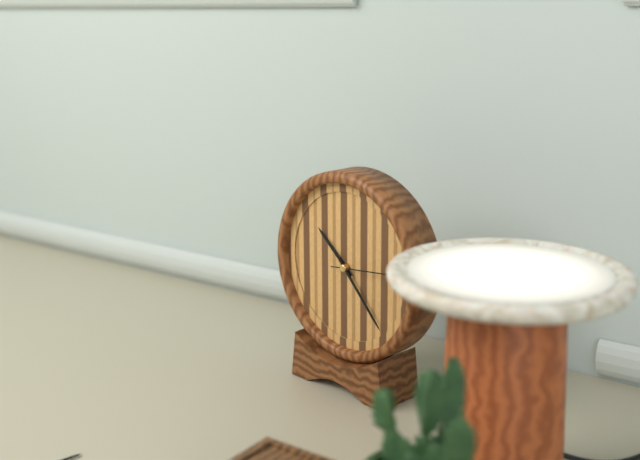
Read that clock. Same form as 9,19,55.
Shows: 10,23,14
